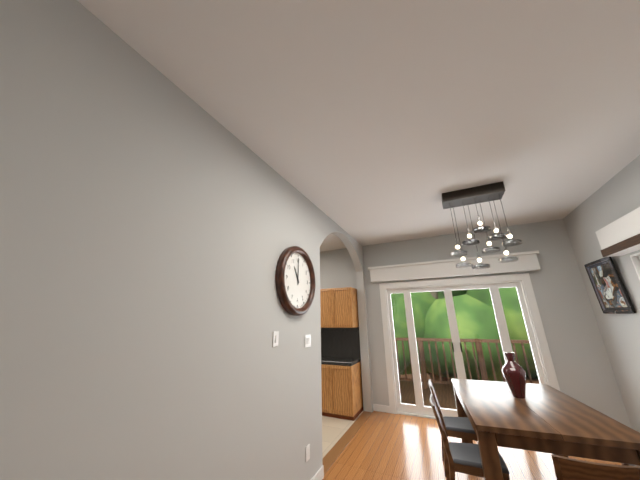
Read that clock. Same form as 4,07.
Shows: 11,00
